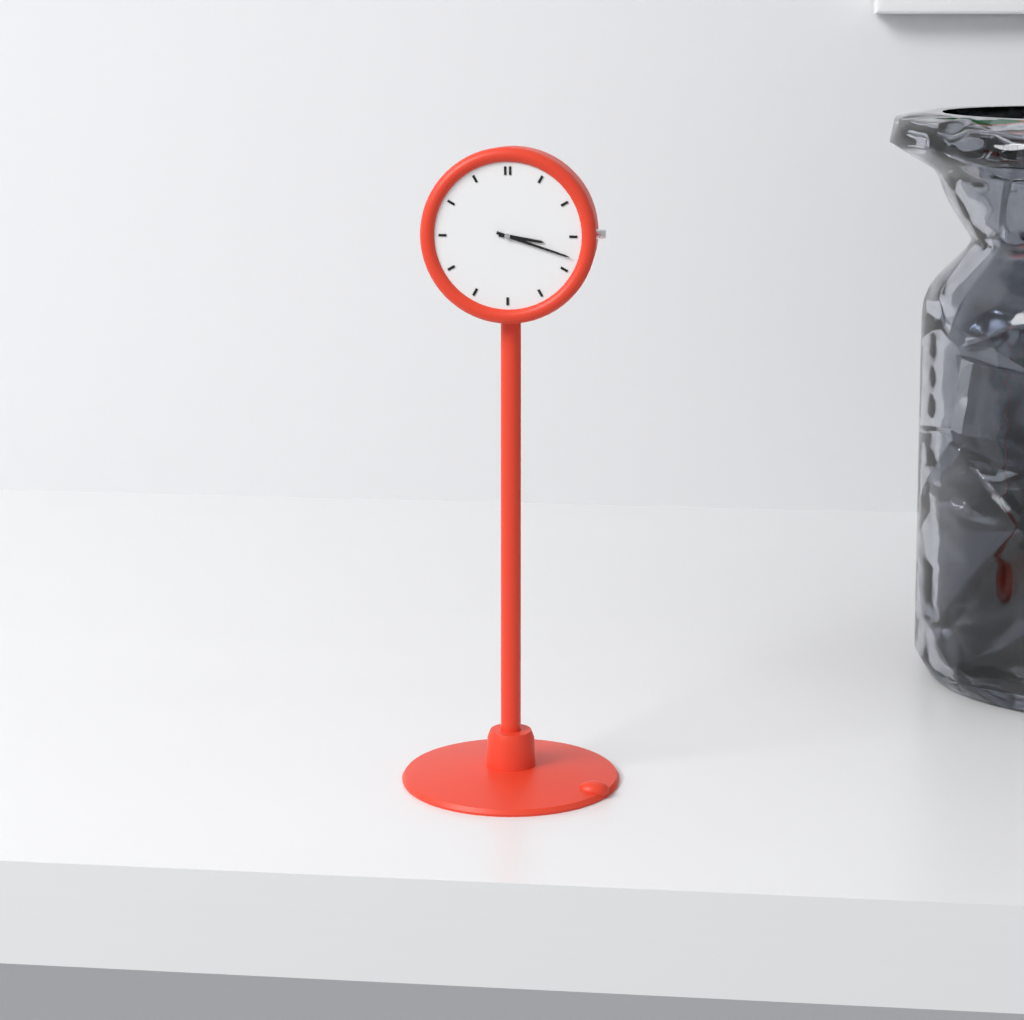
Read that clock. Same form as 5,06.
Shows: 3,18
